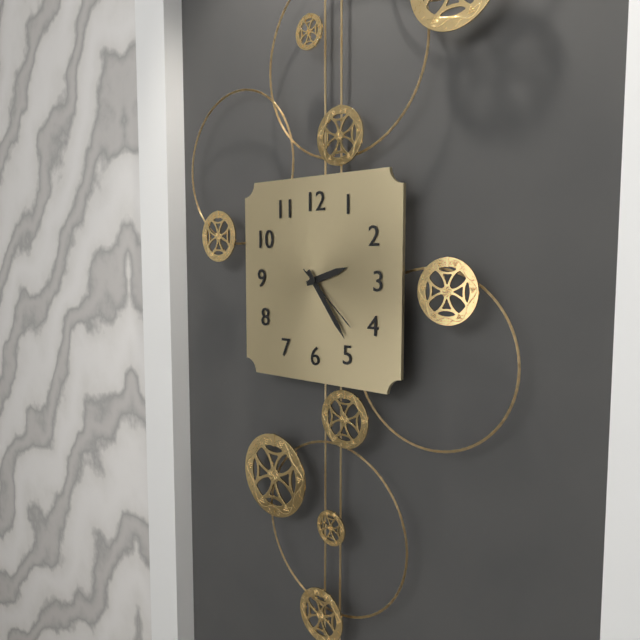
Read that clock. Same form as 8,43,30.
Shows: 2,24,22
